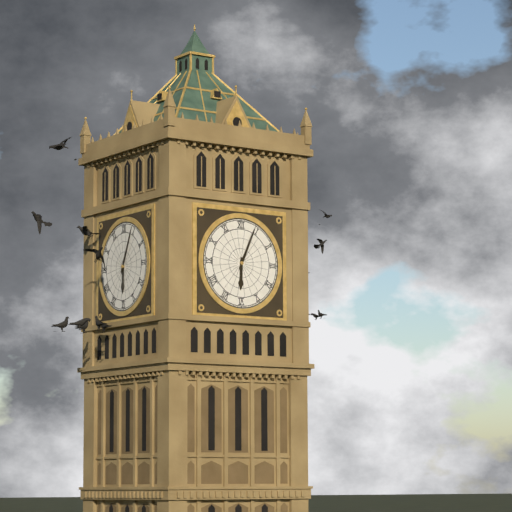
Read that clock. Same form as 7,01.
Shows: 6,04
